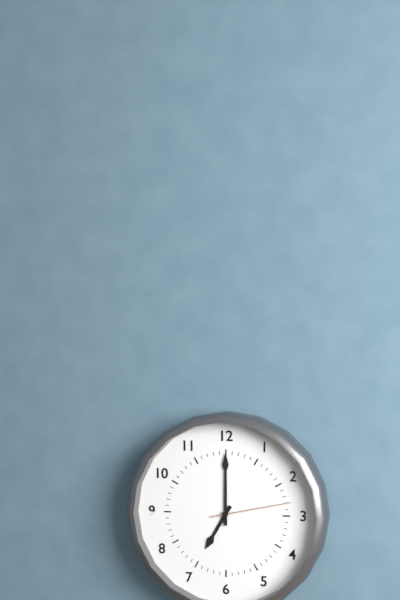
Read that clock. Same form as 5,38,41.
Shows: 7,00,13
